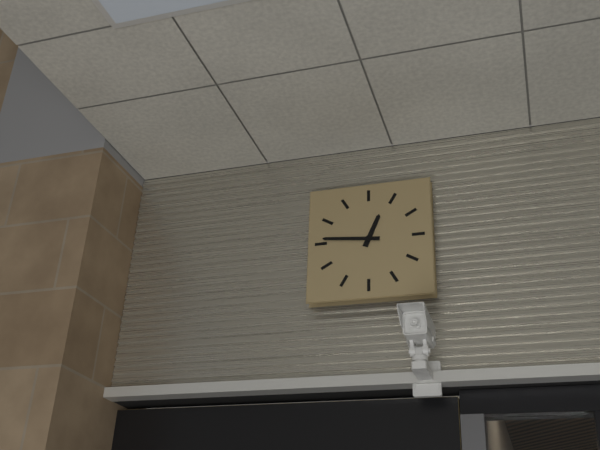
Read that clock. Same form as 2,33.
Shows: 12,46
